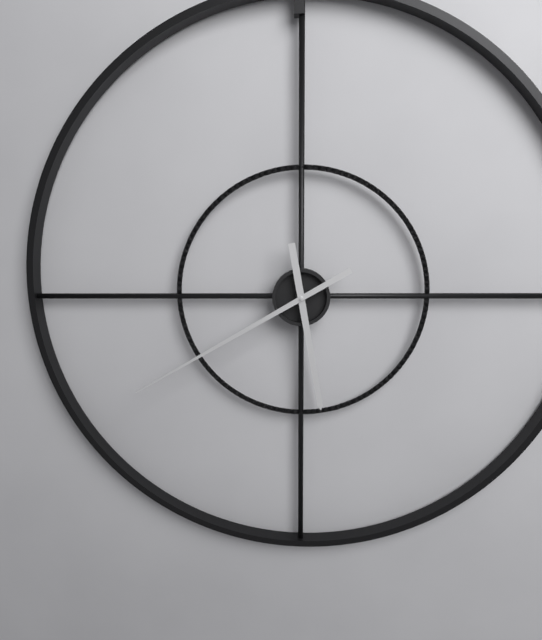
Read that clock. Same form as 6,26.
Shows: 5,40
